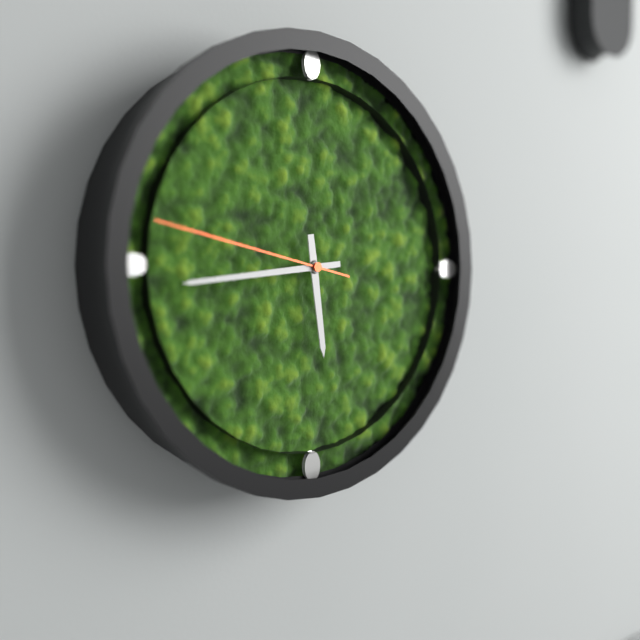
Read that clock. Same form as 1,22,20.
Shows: 5,44,47
